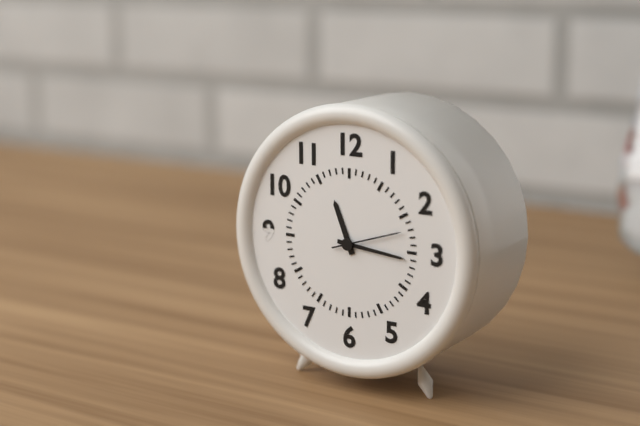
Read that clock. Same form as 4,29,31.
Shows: 11,16,12
